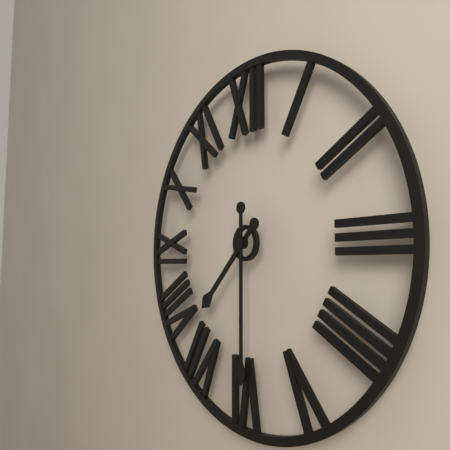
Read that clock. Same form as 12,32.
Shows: 7,30
